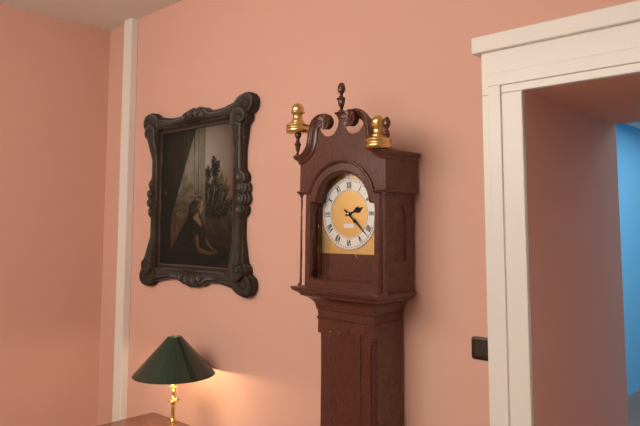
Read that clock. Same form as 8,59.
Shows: 2,22
